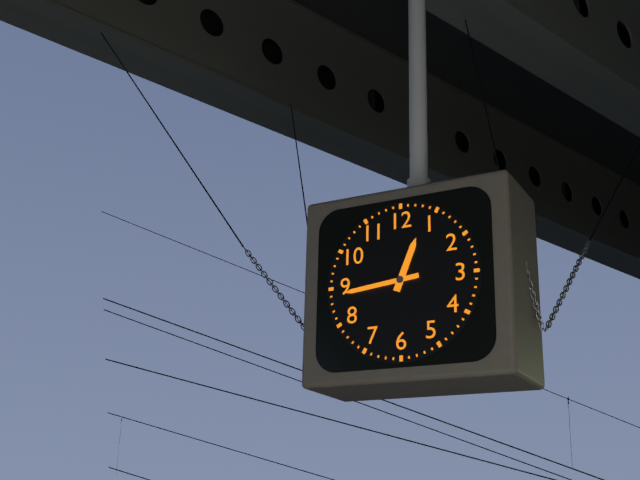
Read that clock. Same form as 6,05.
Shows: 12,44
